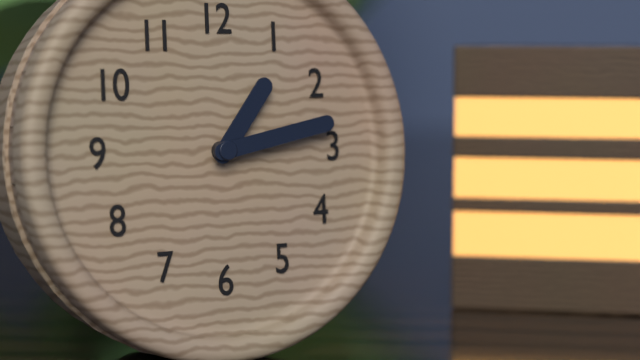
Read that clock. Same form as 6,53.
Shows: 1,13
